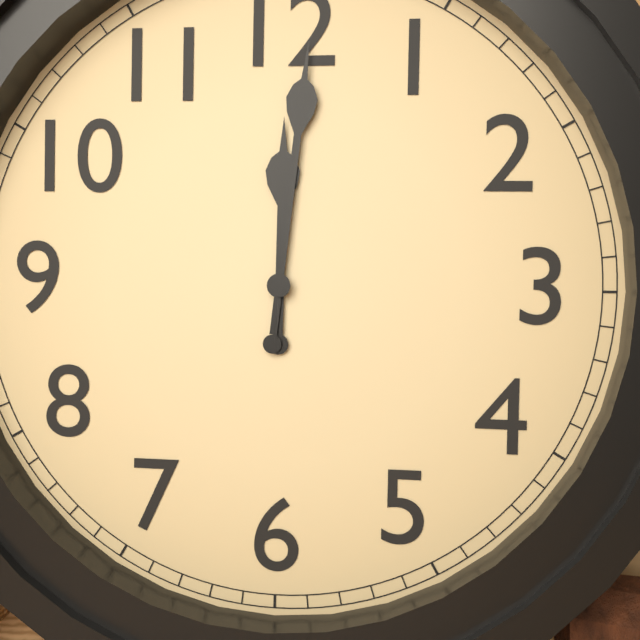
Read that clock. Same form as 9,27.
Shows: 12,01
